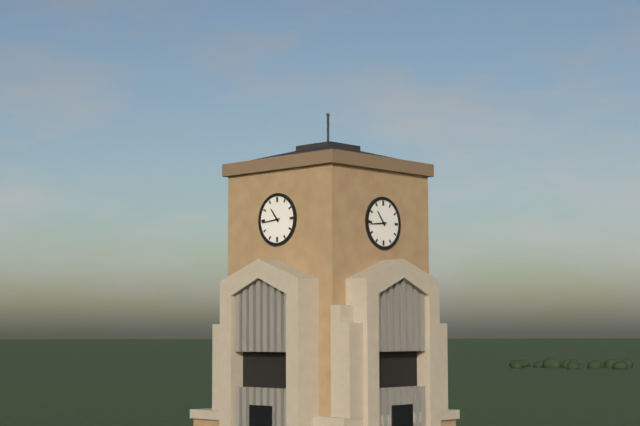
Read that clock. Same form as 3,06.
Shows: 10,44
